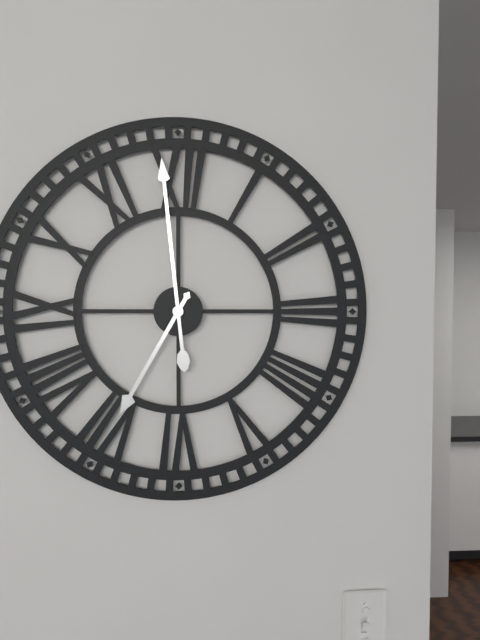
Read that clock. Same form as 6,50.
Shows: 6,59
